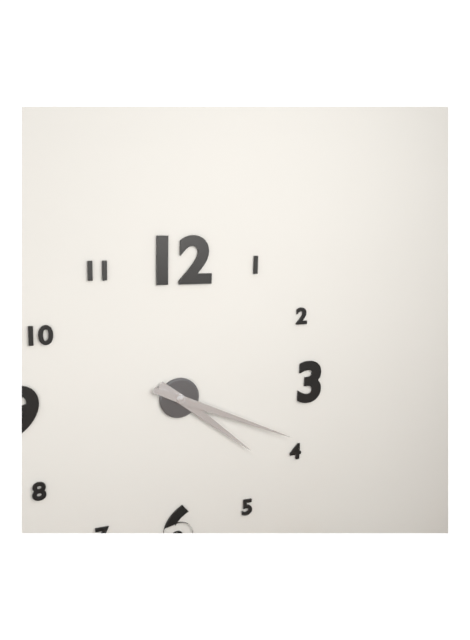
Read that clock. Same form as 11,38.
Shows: 4,19
